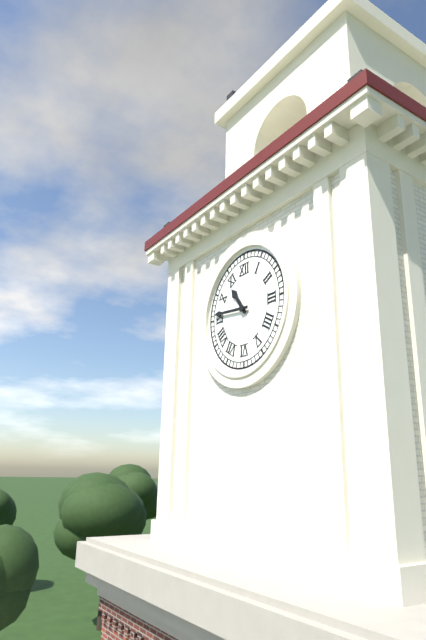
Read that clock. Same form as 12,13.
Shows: 10,46
